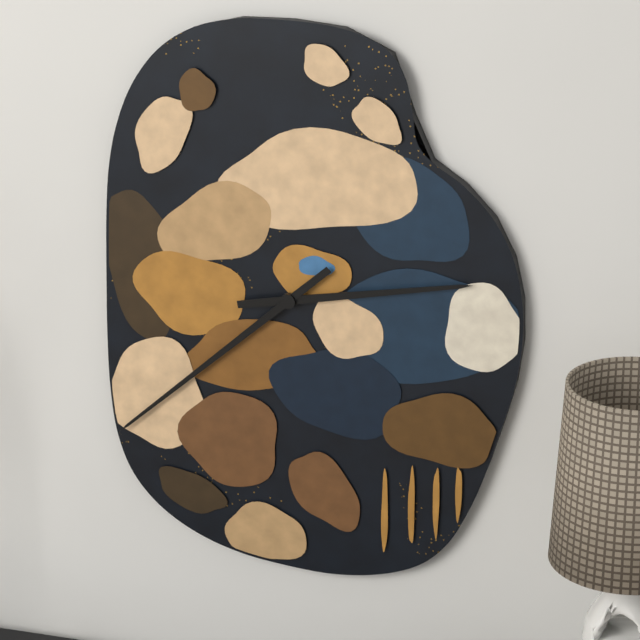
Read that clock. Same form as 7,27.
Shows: 2,38
